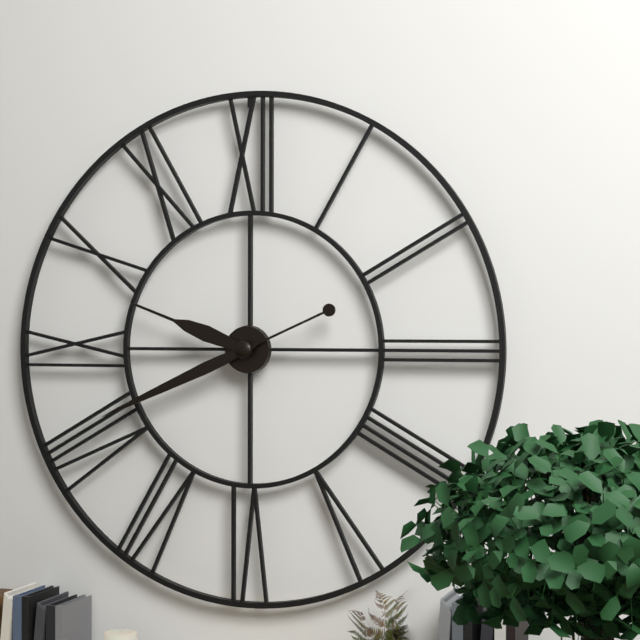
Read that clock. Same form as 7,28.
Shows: 9,41
